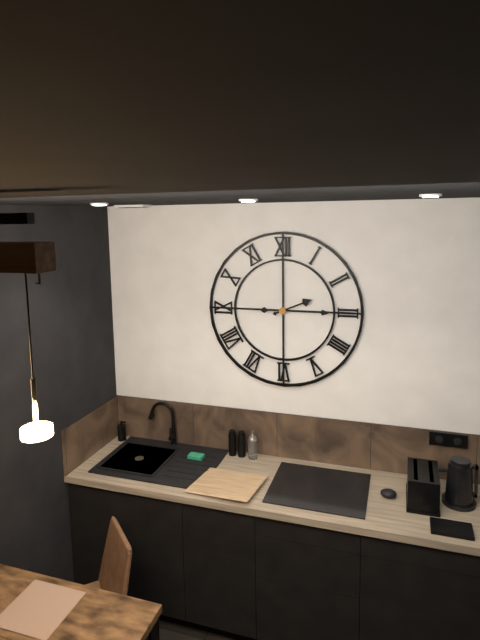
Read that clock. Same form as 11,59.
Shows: 2,15
